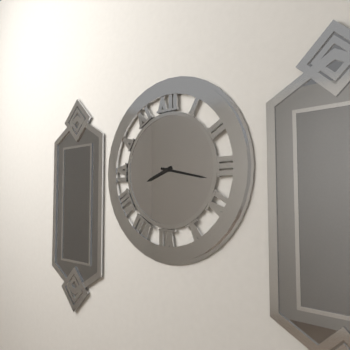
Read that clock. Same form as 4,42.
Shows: 8,17
